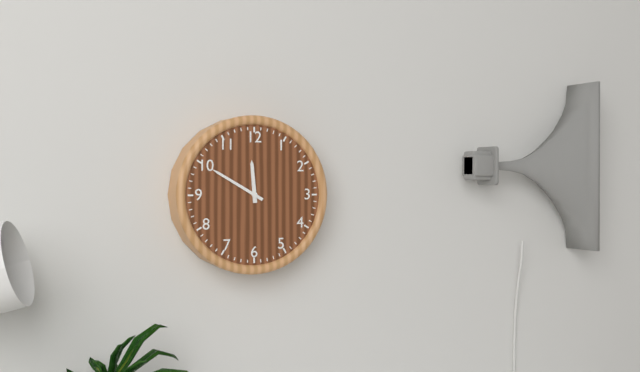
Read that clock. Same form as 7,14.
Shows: 11,50
